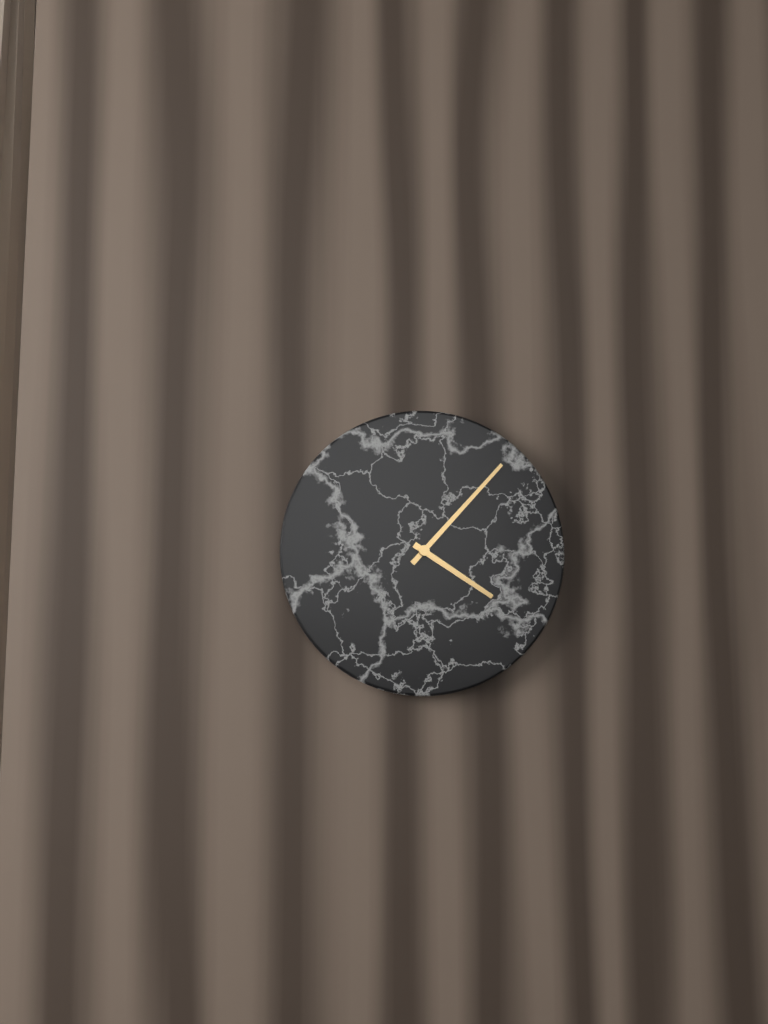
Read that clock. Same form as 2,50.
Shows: 4,07
